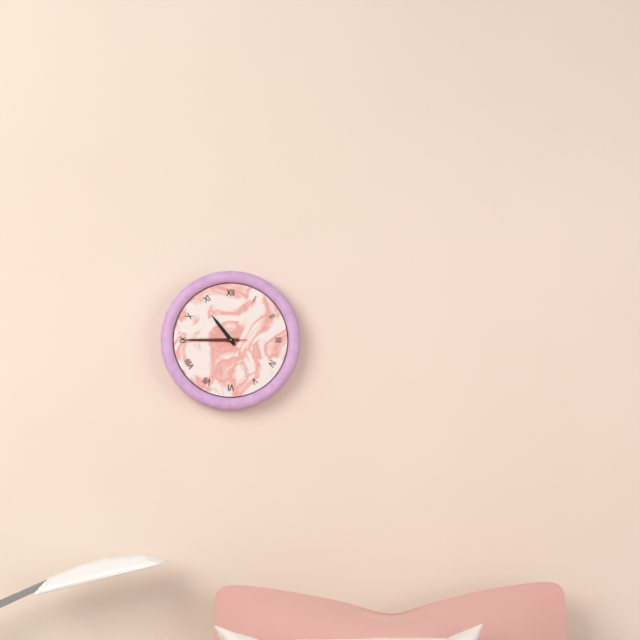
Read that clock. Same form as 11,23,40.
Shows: 10,45,45
